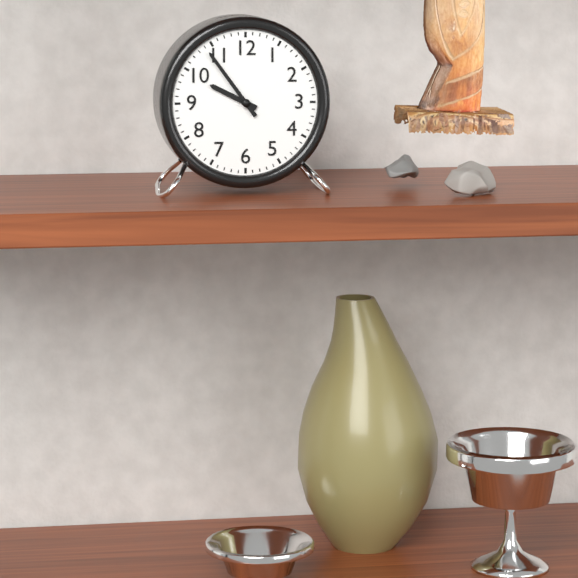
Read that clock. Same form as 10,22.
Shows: 9,54
